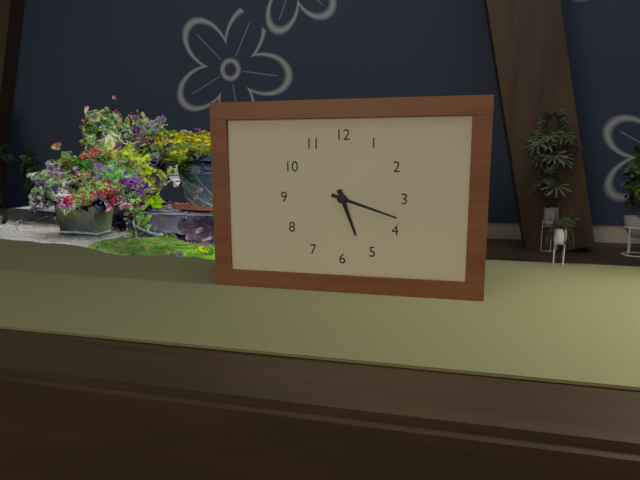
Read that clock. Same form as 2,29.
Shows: 5,18
